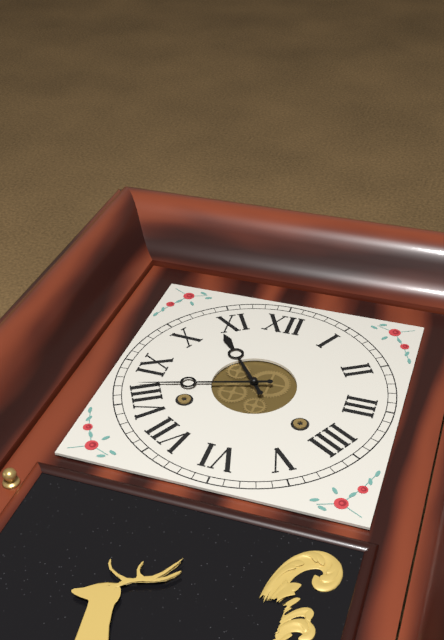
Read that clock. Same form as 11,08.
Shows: 10,42
